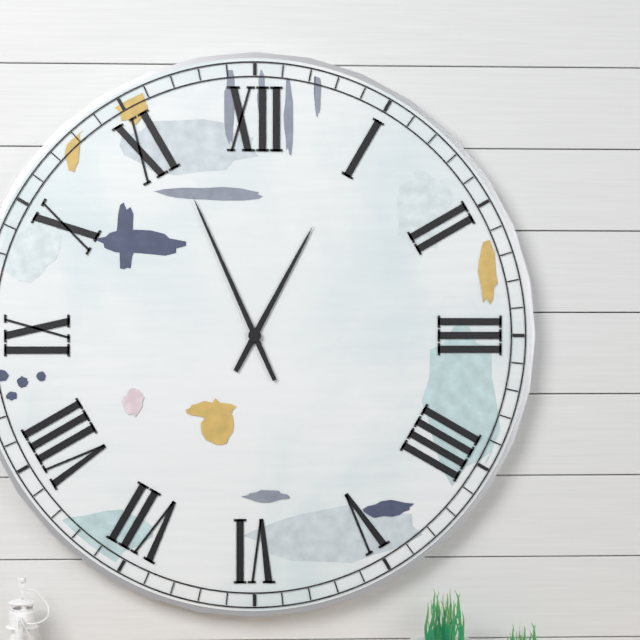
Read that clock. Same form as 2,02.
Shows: 12,56
